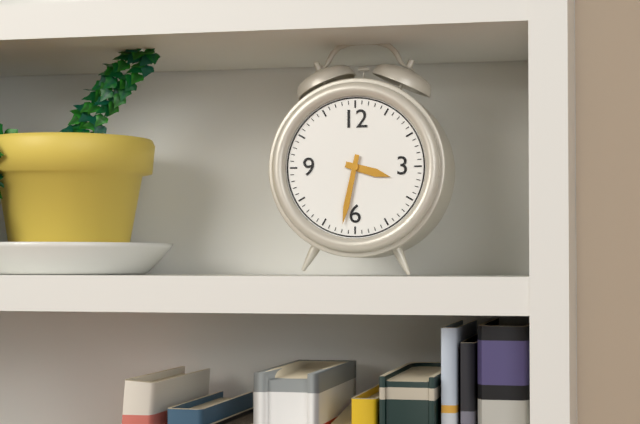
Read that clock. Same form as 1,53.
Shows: 3,32
